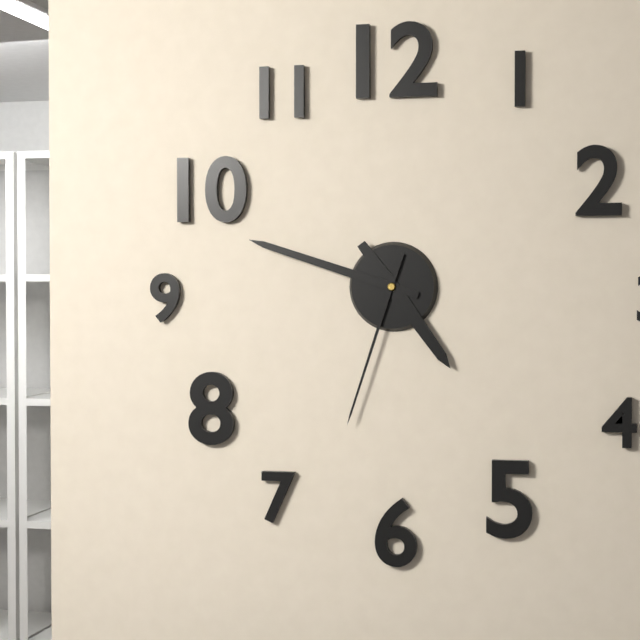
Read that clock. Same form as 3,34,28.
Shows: 4,48,33
